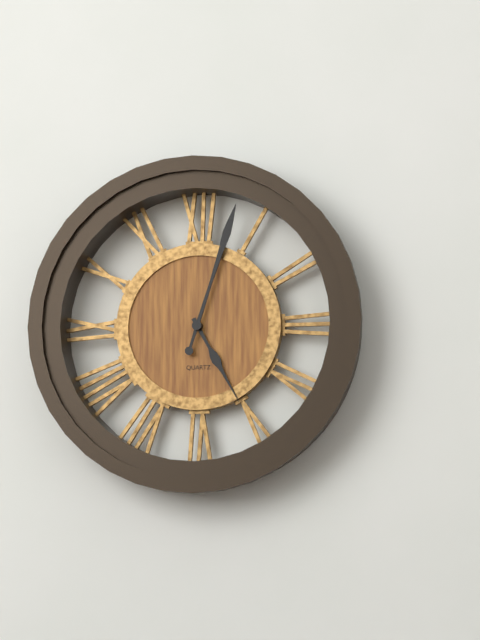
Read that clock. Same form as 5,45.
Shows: 5,03
